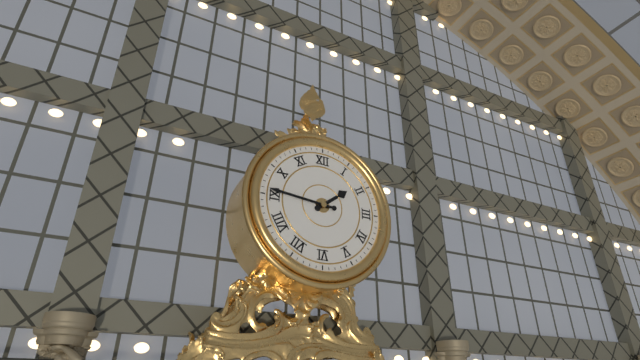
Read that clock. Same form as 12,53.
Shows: 1,46
